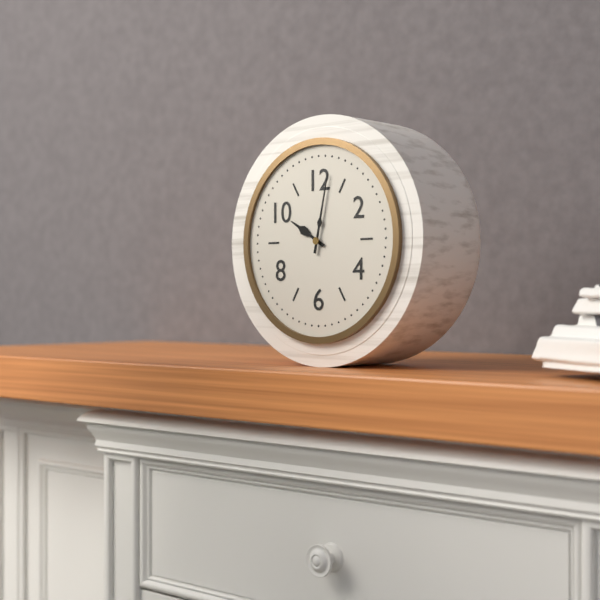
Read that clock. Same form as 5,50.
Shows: 10,02
